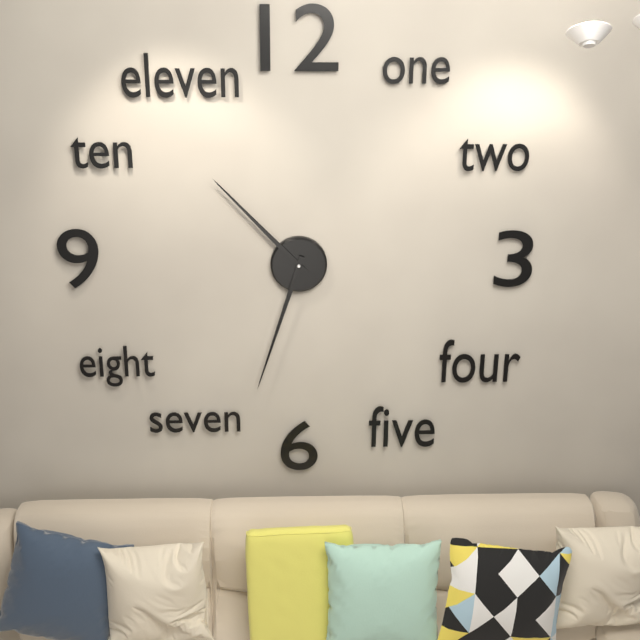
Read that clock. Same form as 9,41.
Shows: 10,33
